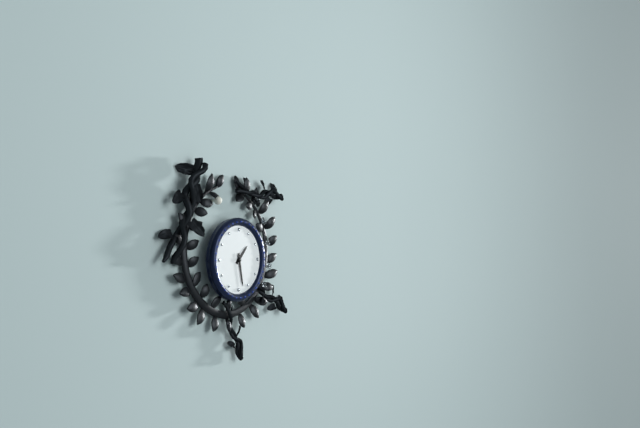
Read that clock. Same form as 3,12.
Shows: 1,28
